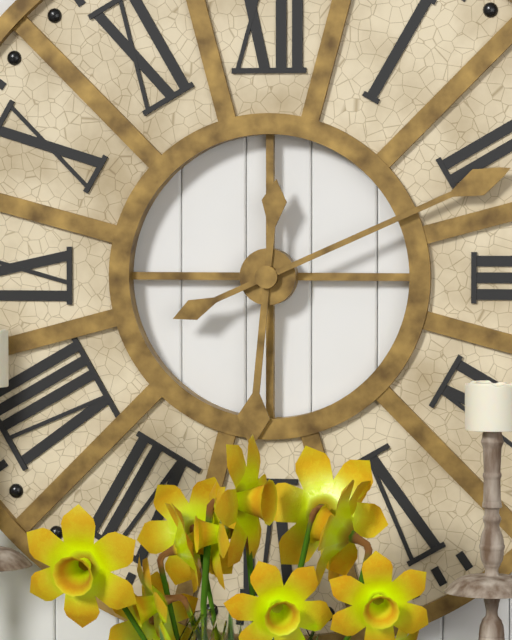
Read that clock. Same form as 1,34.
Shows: 6,11
